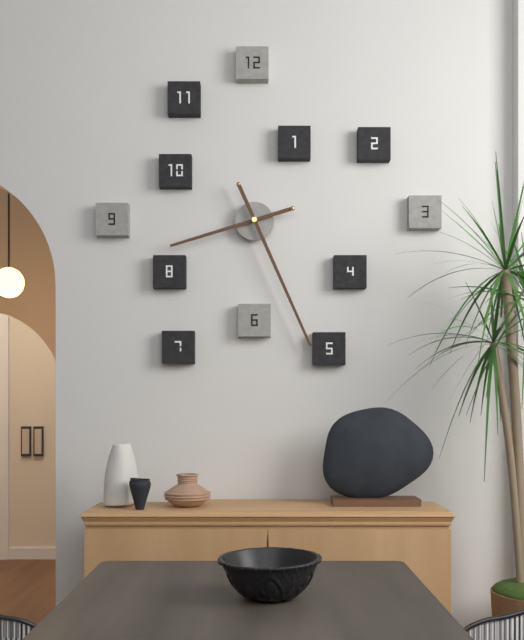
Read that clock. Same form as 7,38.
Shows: 8,26
